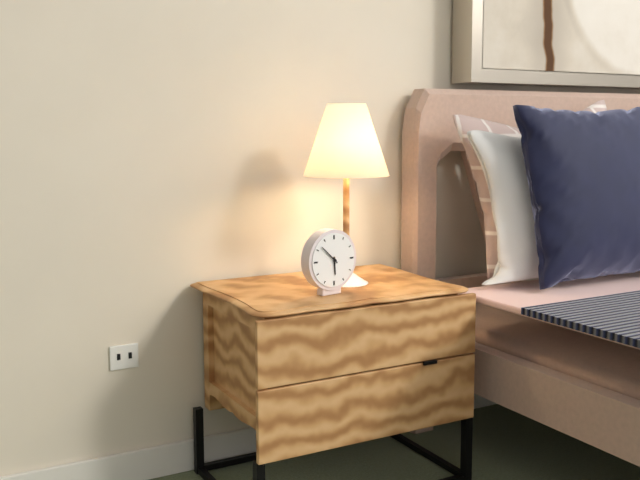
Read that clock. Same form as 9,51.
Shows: 5,52
